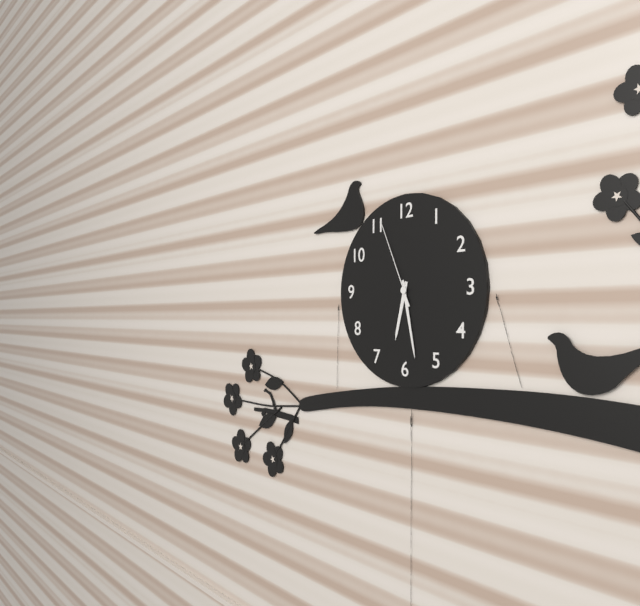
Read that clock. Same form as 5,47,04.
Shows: 6,28,56
